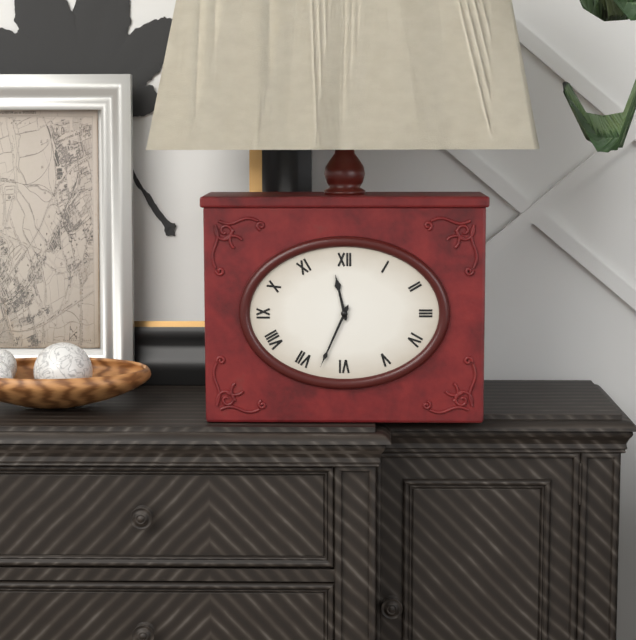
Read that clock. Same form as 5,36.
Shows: 11,34
